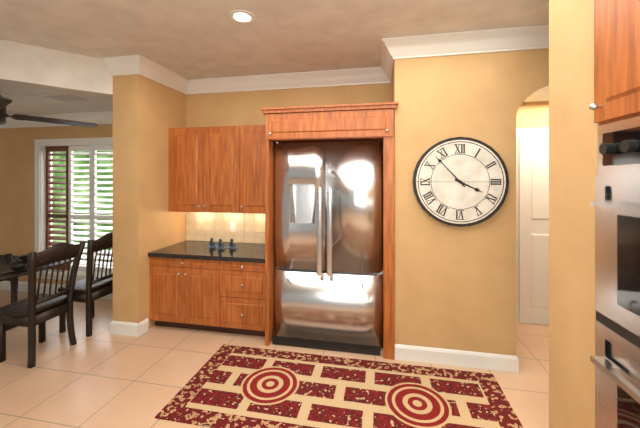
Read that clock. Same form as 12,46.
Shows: 3,53
